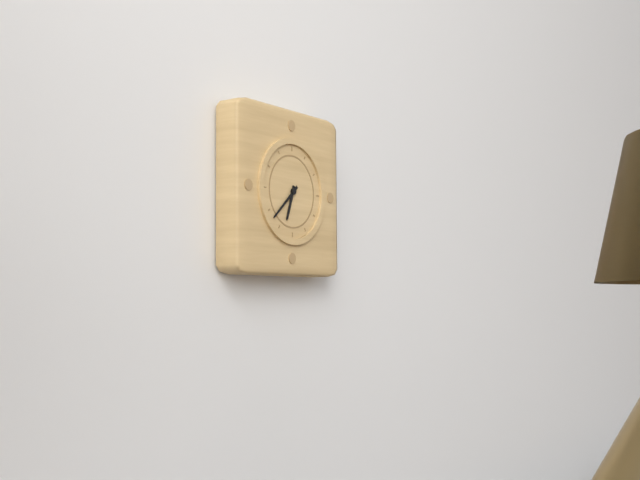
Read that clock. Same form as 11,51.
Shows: 6,38
